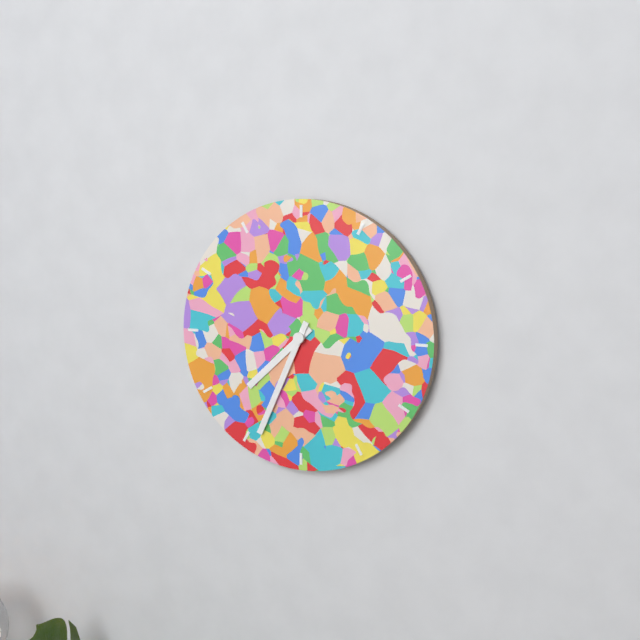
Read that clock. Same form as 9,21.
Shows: 7,34
